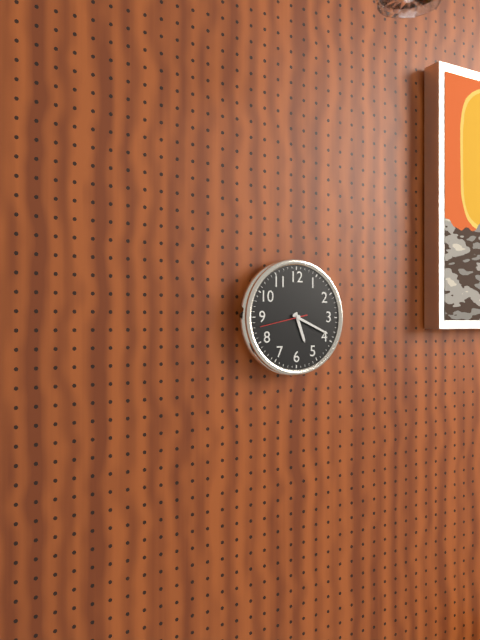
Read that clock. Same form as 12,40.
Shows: 5,19
